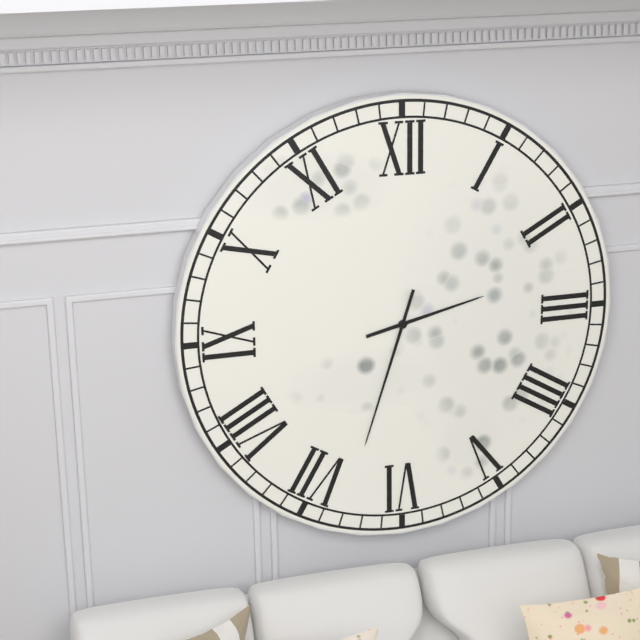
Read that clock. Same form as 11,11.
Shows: 2,33
